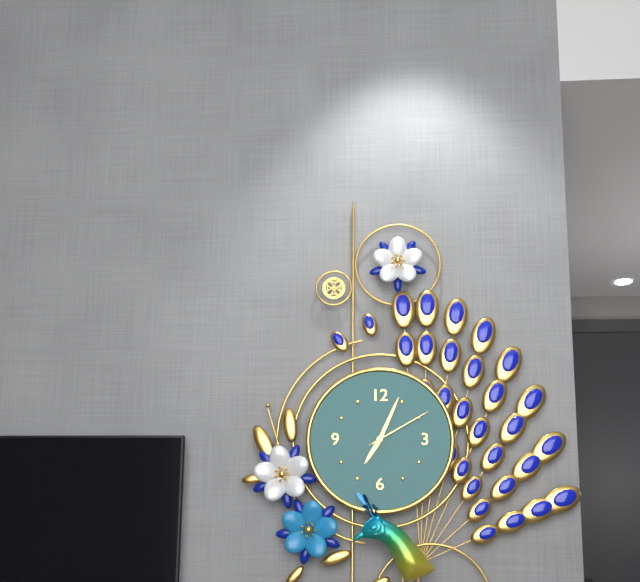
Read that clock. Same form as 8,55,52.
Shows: 7,04,10
